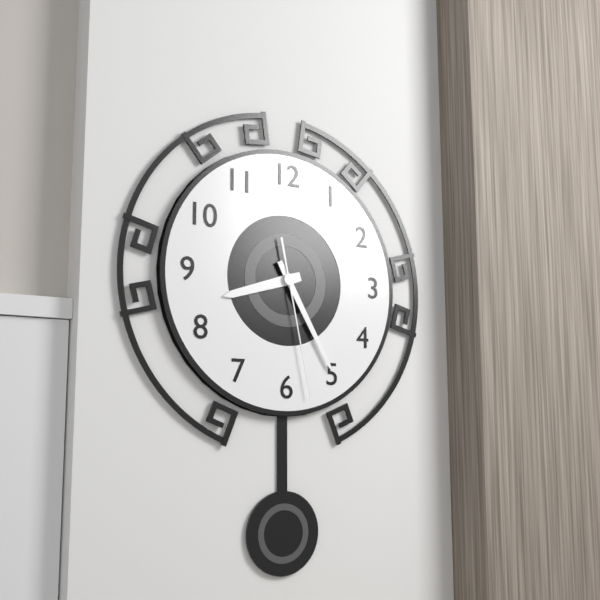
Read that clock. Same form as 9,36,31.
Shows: 8,25,28
